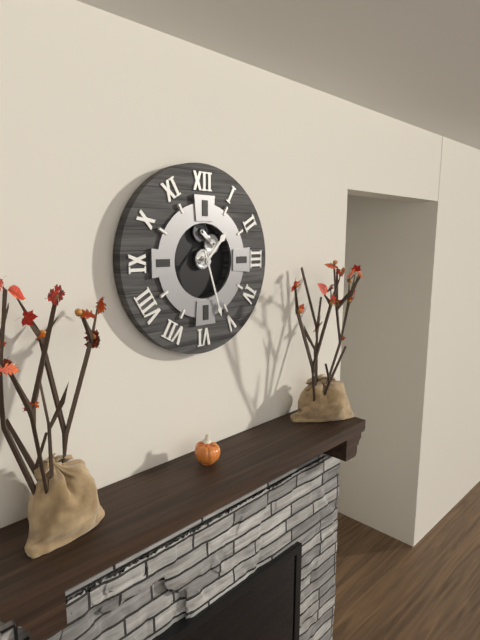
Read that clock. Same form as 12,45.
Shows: 1,27
